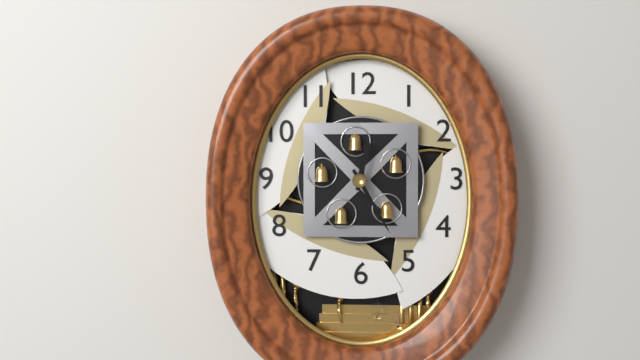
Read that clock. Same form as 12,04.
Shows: 12,25
